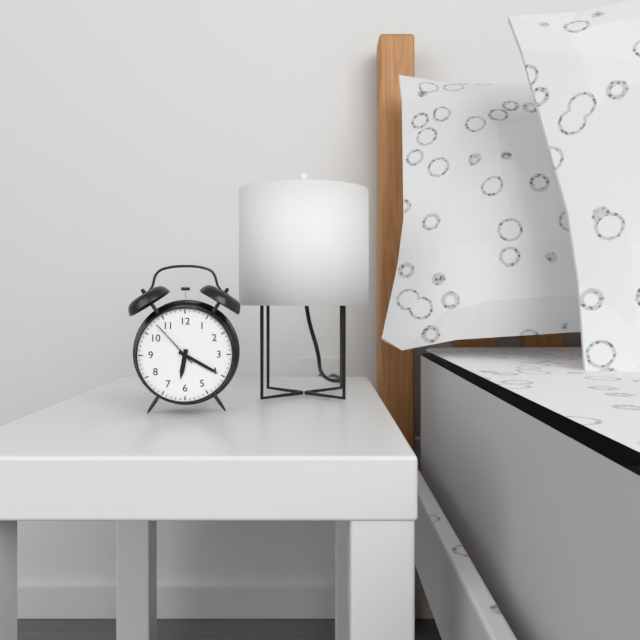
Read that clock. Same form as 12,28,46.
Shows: 6,20,53
